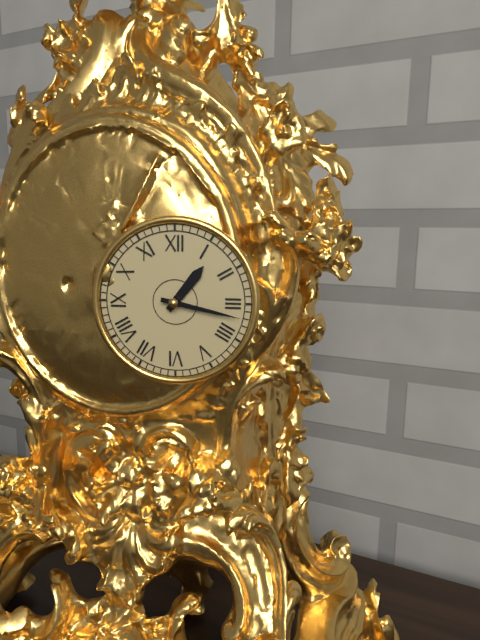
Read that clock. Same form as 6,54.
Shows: 1,17
